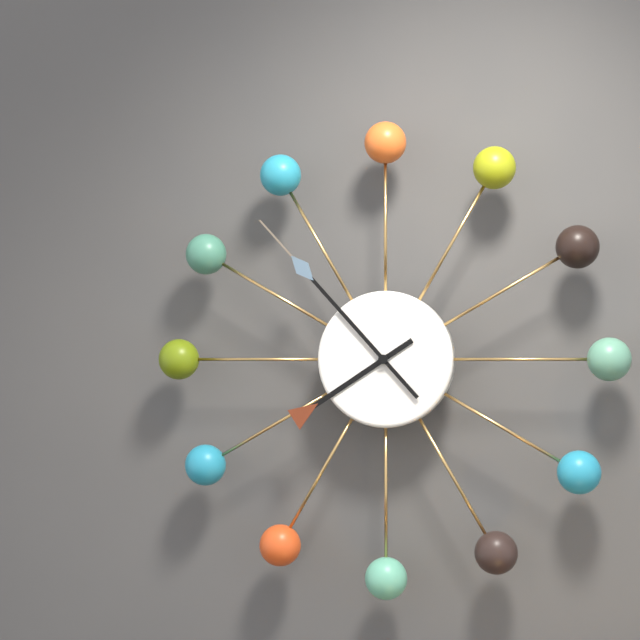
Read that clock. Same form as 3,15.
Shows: 7,53
